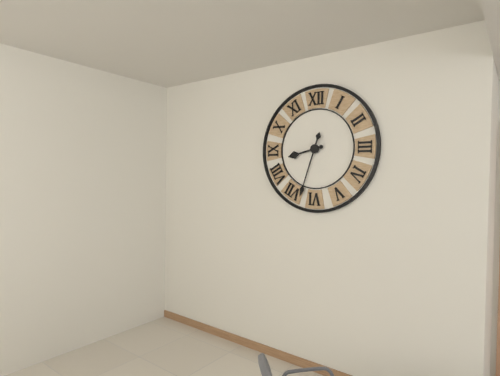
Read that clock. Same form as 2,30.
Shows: 8,33
